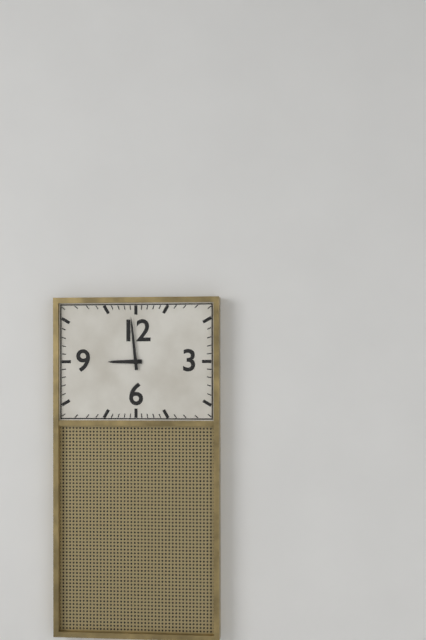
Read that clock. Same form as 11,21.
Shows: 8,59
